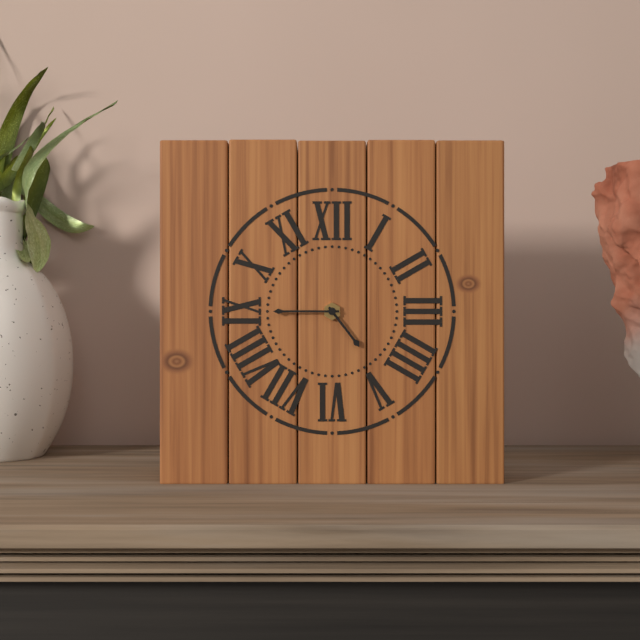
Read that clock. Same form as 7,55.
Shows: 4,45
